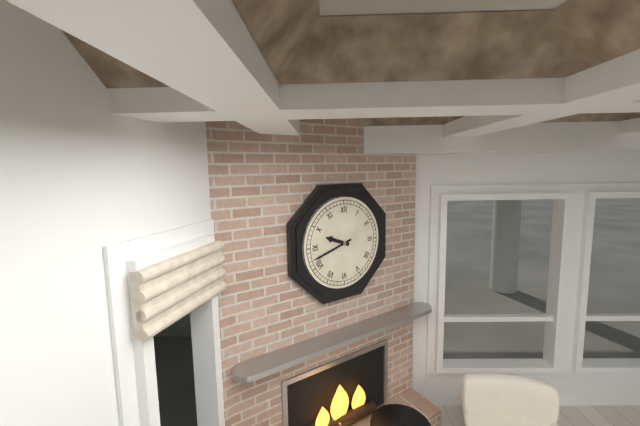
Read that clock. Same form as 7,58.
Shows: 9,42
